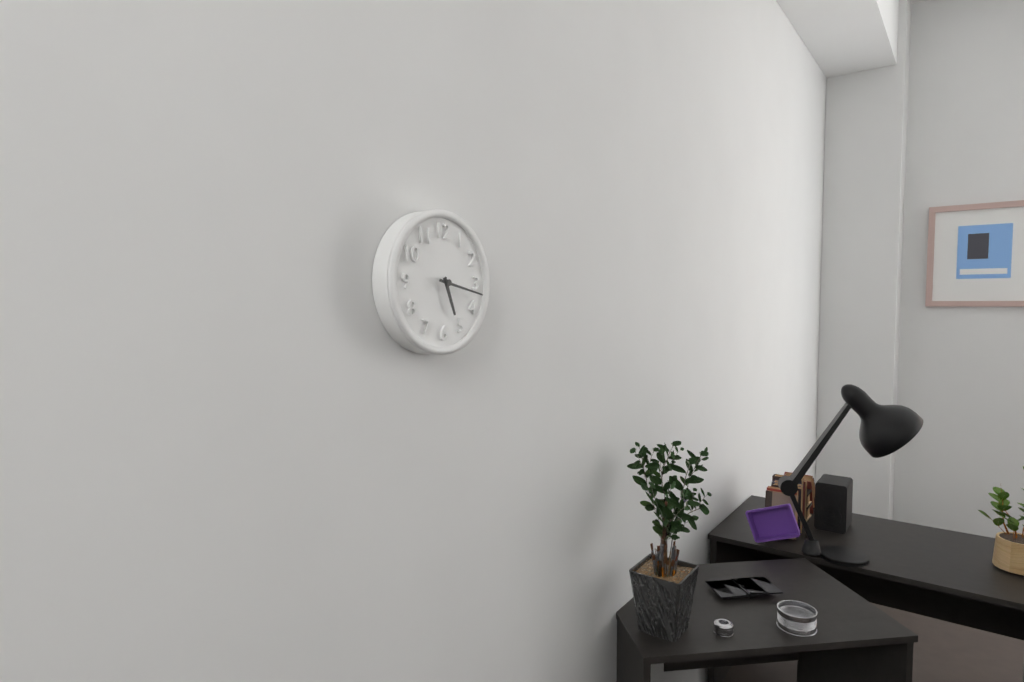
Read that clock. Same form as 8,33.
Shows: 5,17
